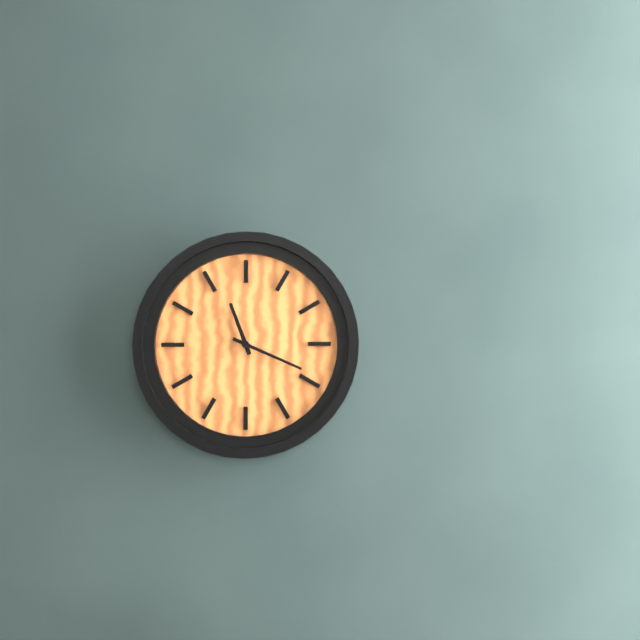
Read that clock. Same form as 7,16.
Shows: 11,19
